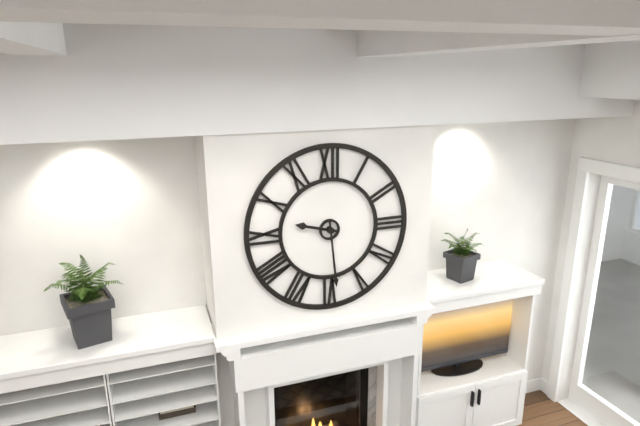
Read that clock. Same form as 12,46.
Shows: 9,29
